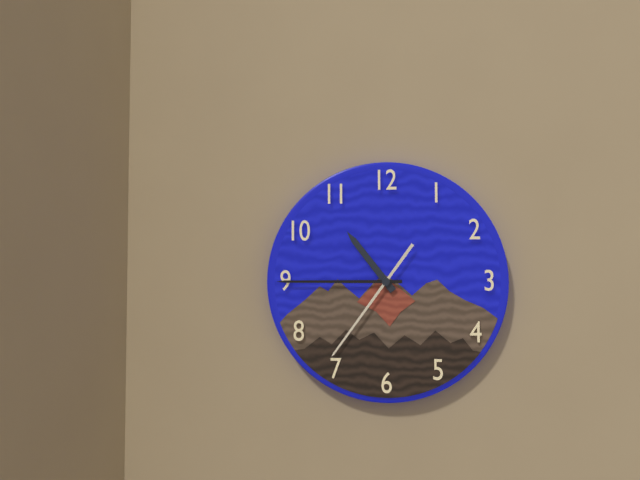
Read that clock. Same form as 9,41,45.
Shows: 10,45,36
